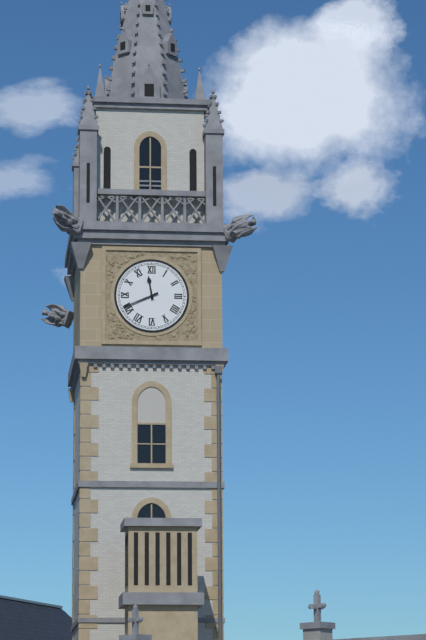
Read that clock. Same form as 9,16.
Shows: 11,41
